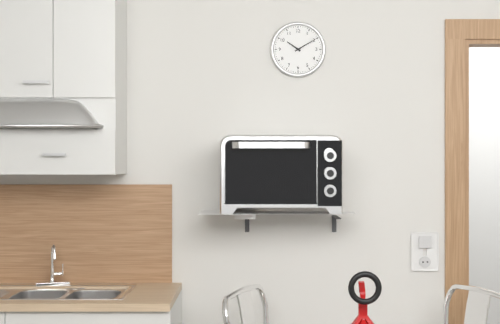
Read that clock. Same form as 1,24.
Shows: 10,10
